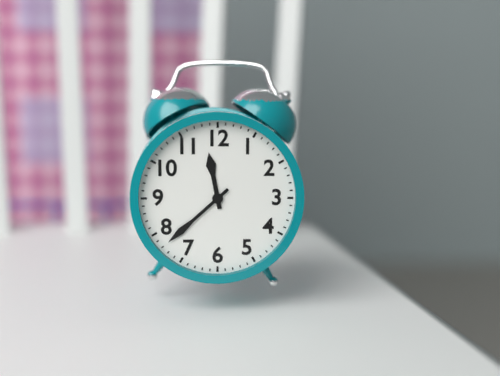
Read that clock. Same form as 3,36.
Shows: 11,38
